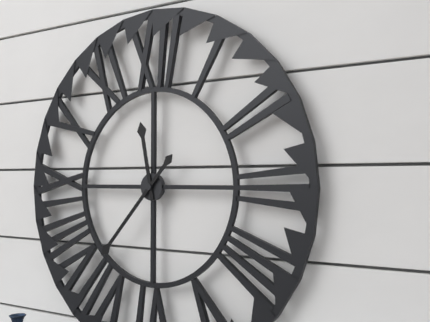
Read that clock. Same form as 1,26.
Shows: 11,37
